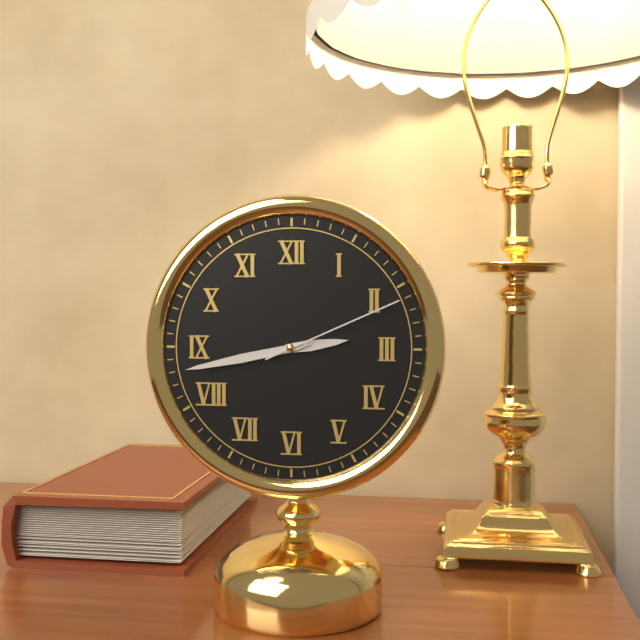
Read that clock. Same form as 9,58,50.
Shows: 2,43,11
